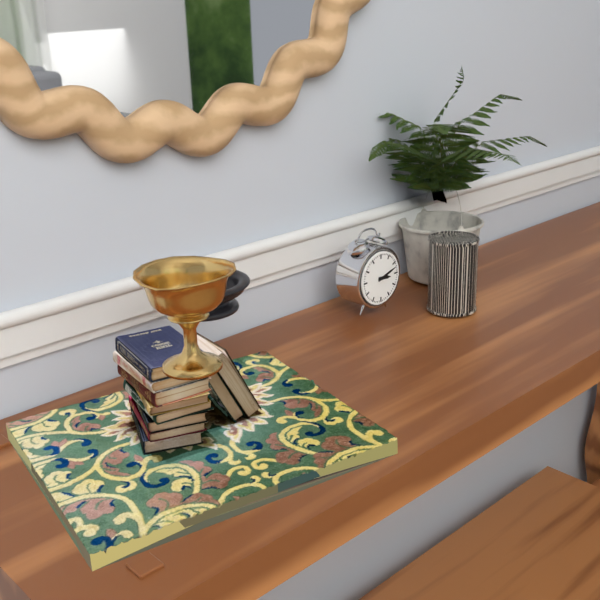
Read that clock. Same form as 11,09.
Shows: 3,12
